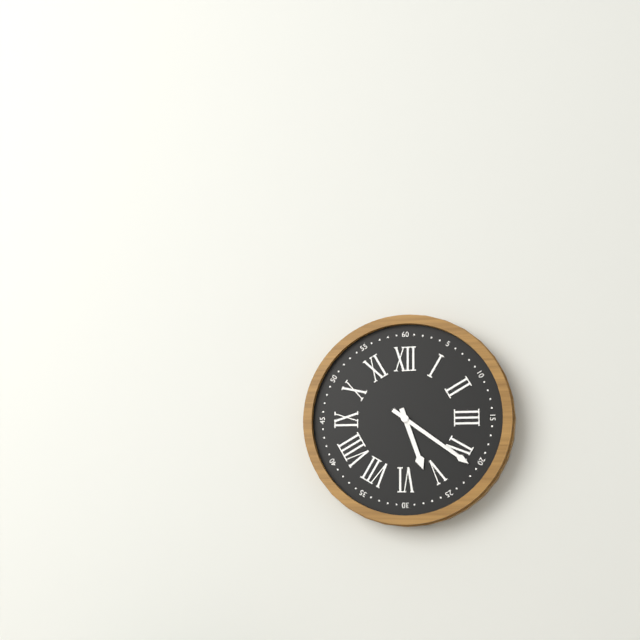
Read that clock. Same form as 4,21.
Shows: 5,21
